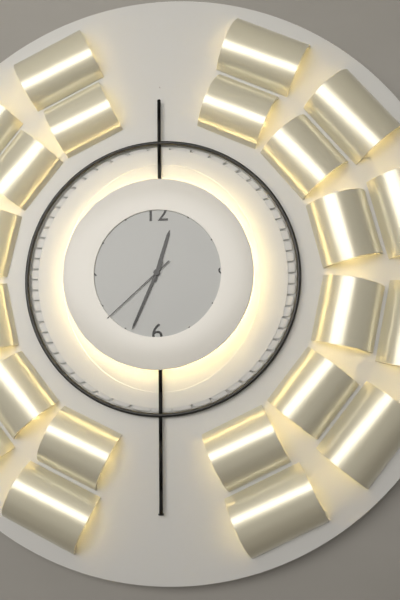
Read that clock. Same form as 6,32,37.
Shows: 12,34,38
